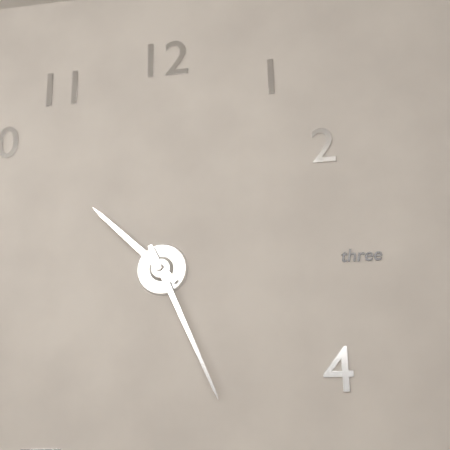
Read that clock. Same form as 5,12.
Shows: 10,26
